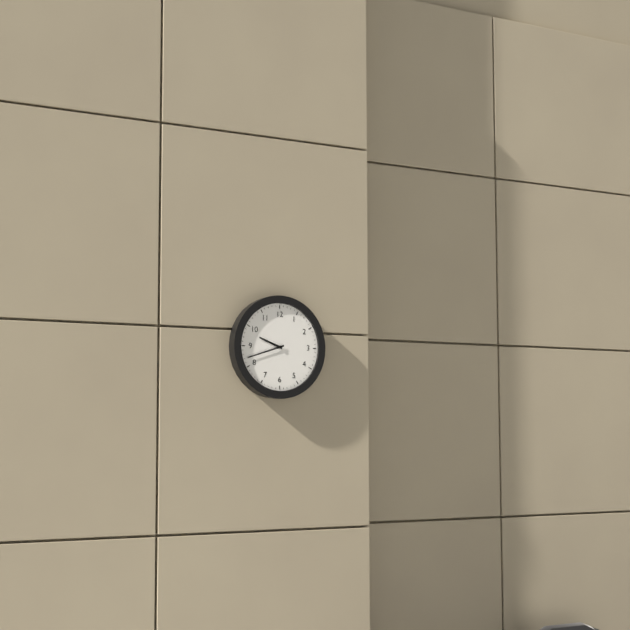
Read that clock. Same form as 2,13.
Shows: 9,42
